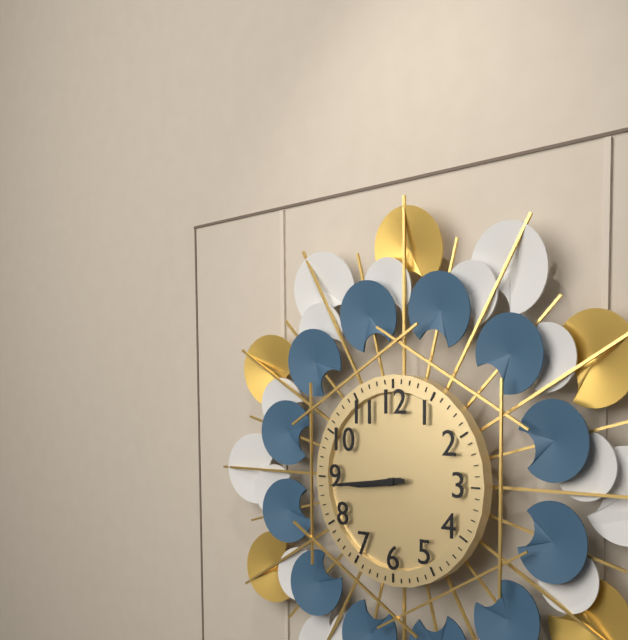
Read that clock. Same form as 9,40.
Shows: 8,44
